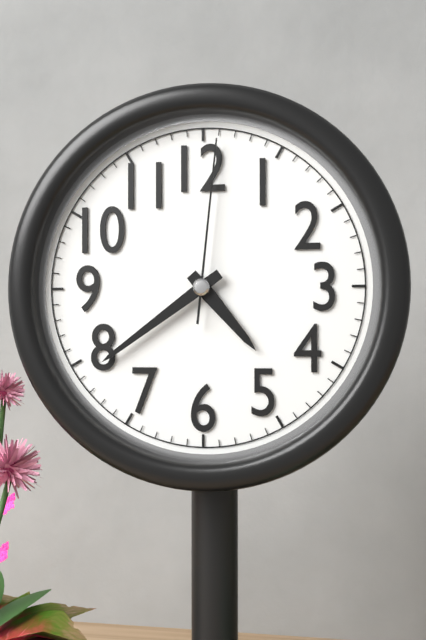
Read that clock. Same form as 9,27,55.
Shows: 4,39,01
